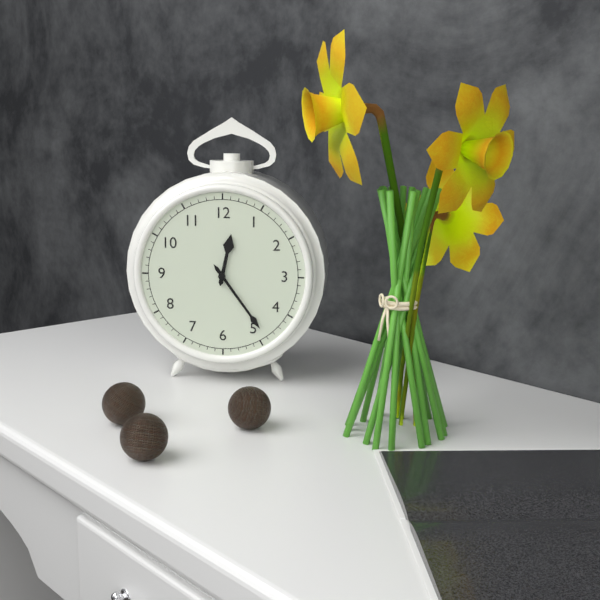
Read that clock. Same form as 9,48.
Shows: 12,24
